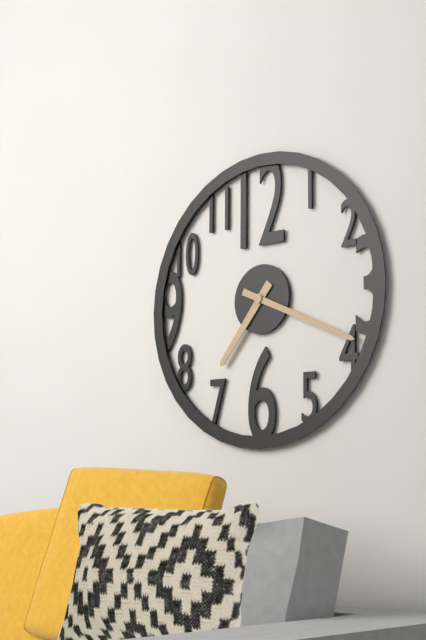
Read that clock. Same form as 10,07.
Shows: 7,19
